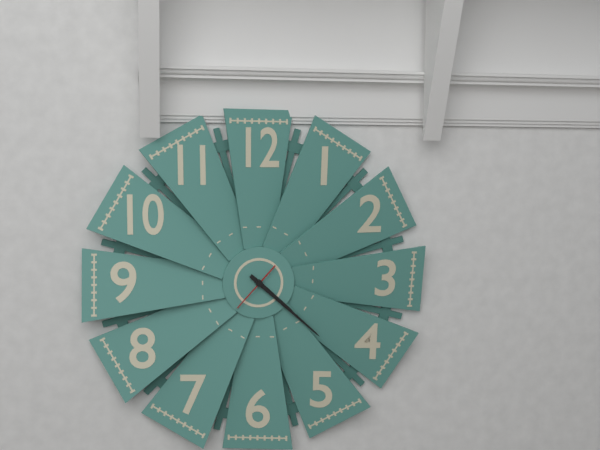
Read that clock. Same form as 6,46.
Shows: 4,22
